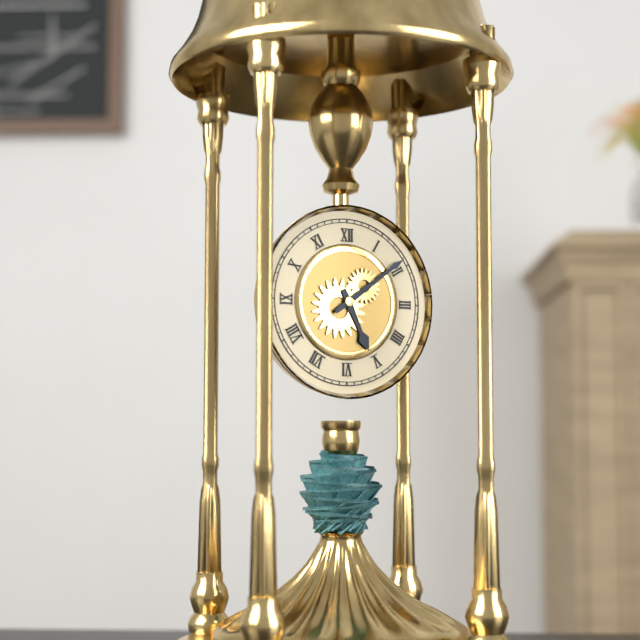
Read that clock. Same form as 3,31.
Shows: 5,09
